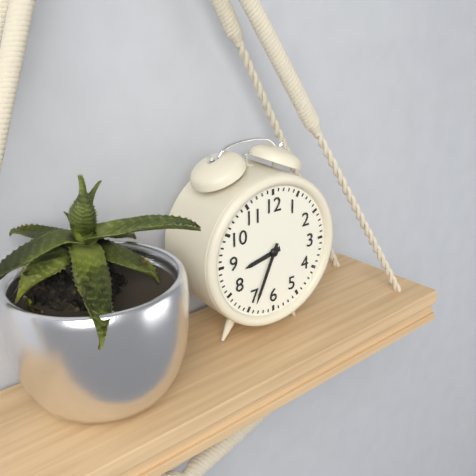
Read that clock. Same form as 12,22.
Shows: 8,34
